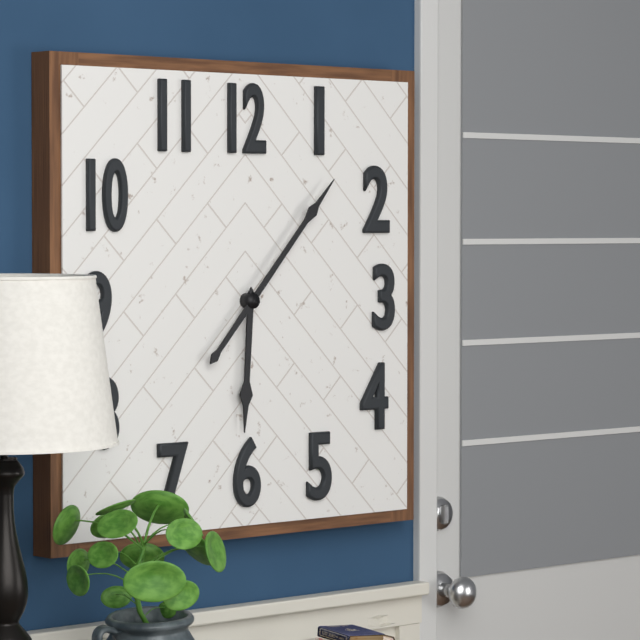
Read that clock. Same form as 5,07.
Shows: 6,07
